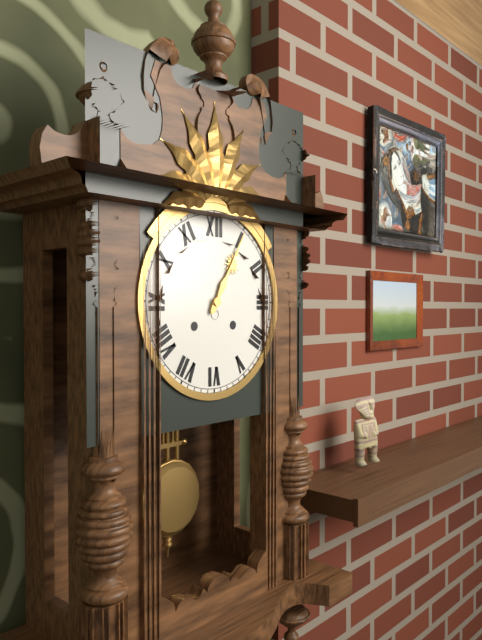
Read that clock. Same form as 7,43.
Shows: 1,05
